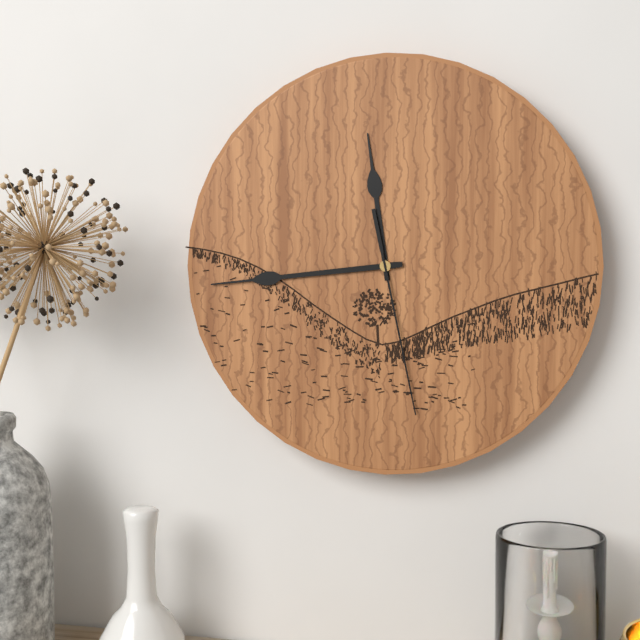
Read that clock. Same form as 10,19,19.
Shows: 11,44,28
